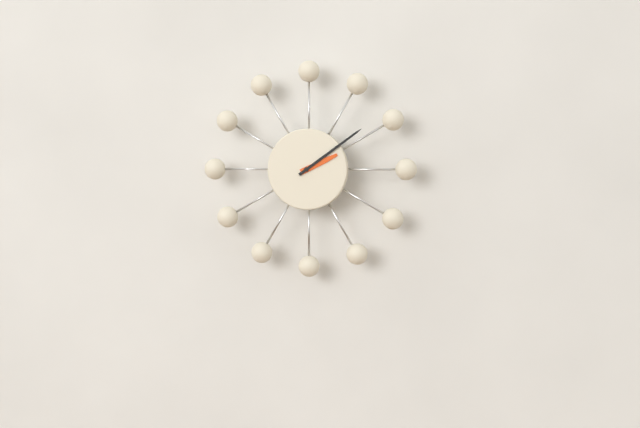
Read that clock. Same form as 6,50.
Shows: 2,09
